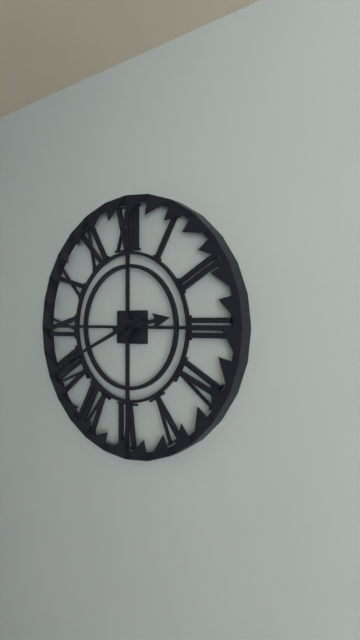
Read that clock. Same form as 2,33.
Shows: 2,41
